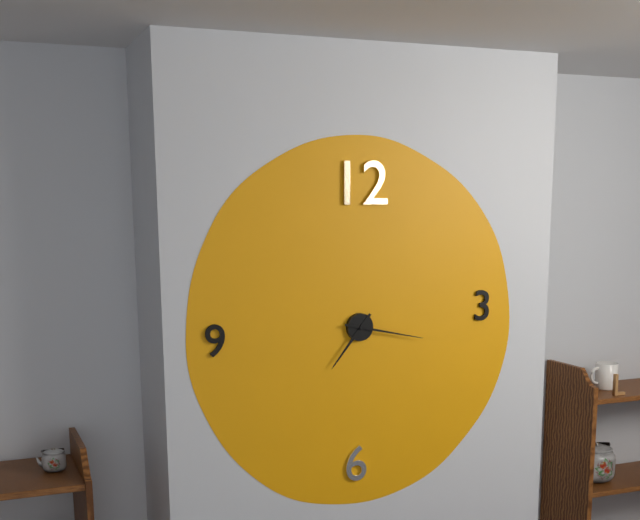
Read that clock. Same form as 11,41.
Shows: 7,17
